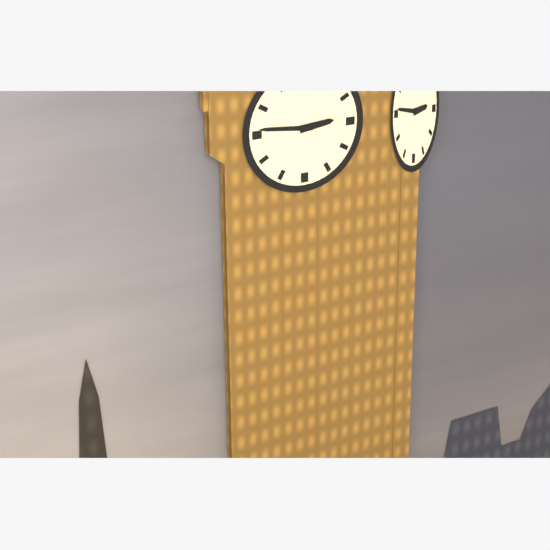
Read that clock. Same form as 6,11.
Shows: 2,46
